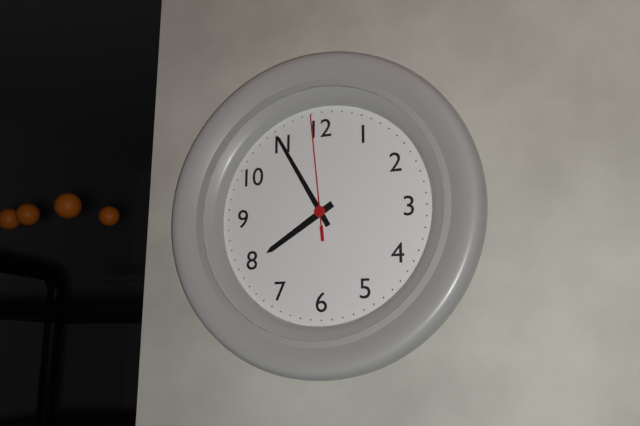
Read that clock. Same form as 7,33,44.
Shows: 7,55,59
